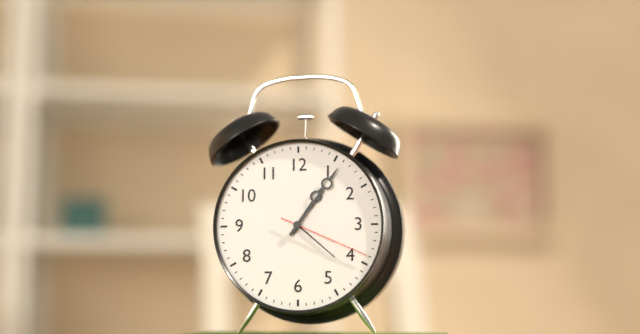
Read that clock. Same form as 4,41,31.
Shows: 1,06,19
